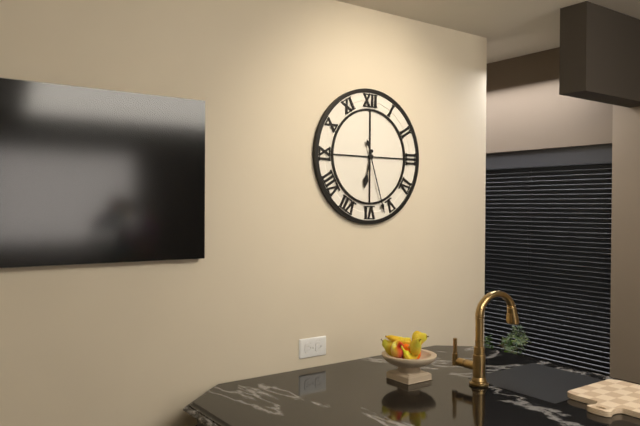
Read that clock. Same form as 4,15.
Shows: 6,27
